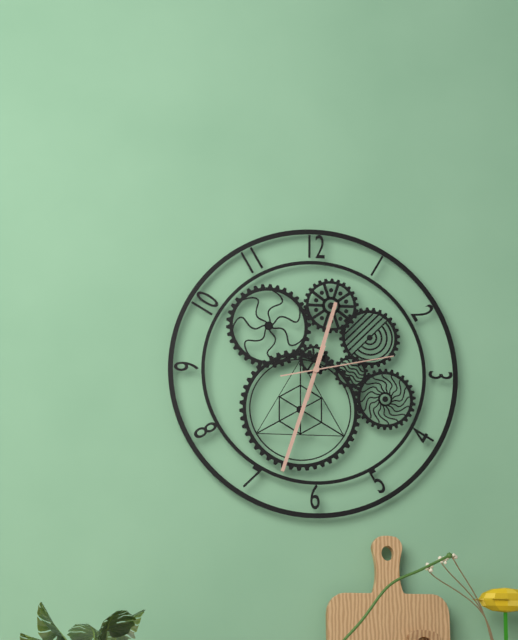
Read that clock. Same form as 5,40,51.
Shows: 12,33,13
